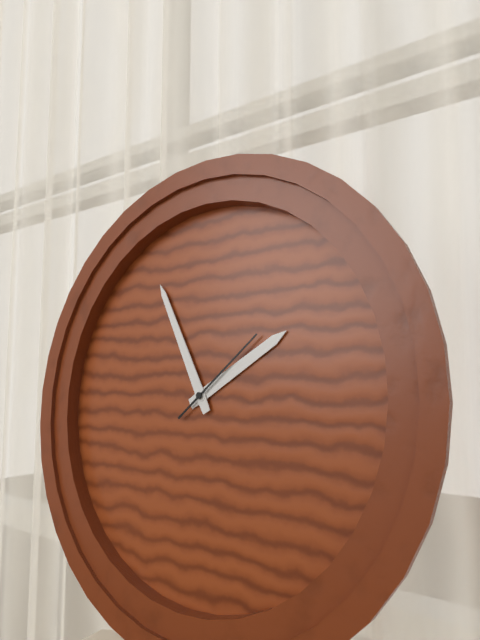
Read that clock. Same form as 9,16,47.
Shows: 1,55,08
